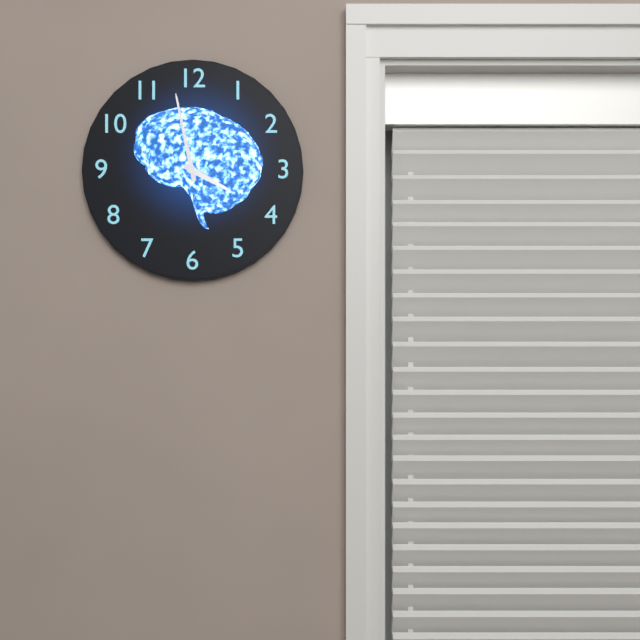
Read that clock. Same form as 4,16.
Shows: 3,58
